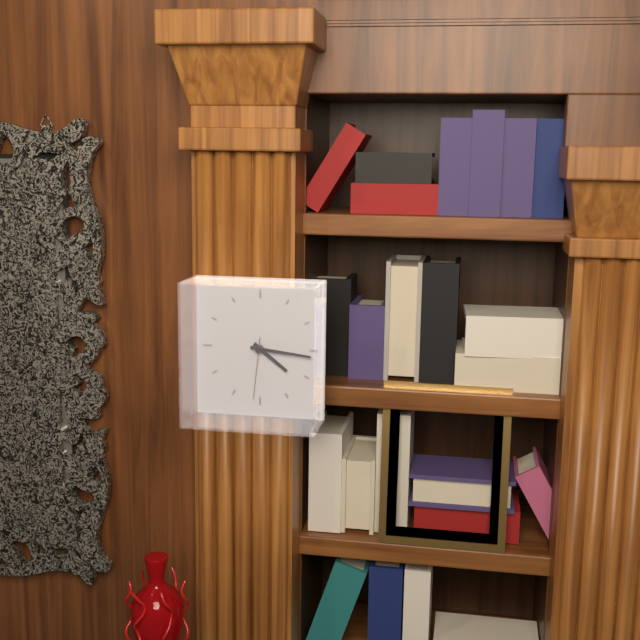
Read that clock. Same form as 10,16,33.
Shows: 4,16,31
